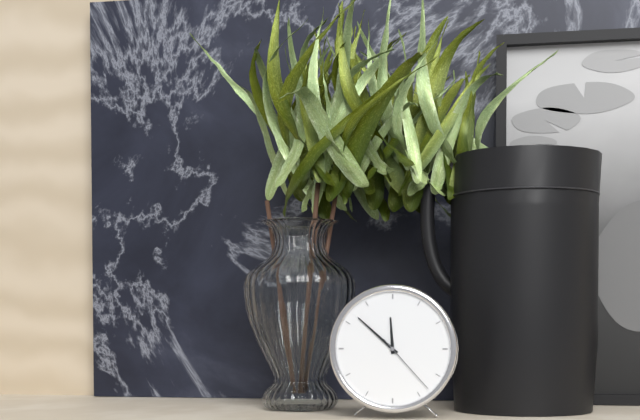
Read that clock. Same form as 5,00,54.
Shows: 11,52,23
